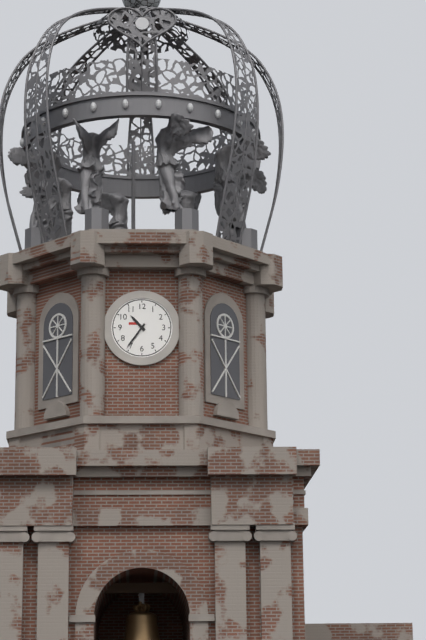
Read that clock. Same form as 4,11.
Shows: 10,36
